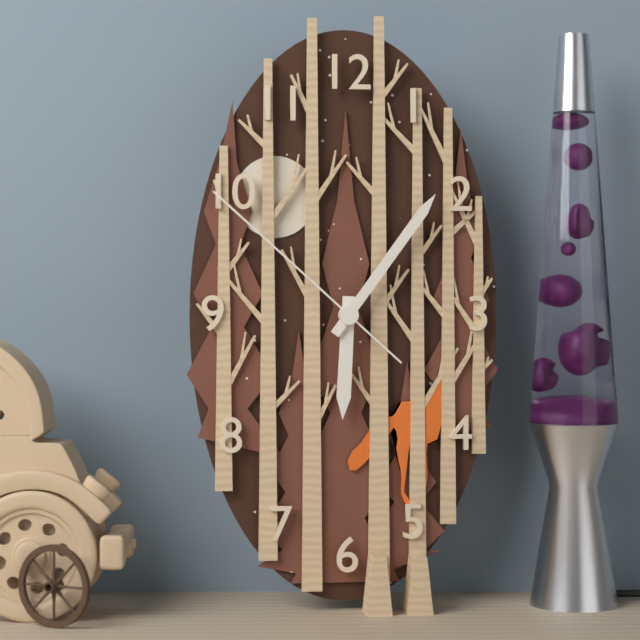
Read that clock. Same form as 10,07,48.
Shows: 6,06,52
